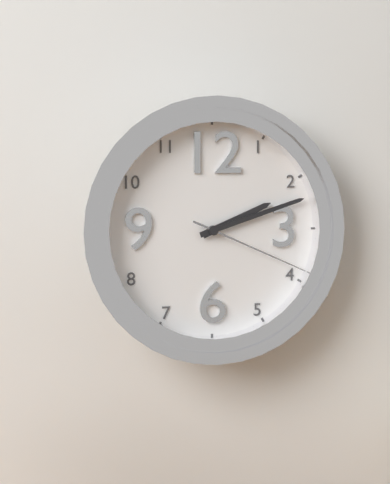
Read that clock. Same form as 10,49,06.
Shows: 2,12,19
